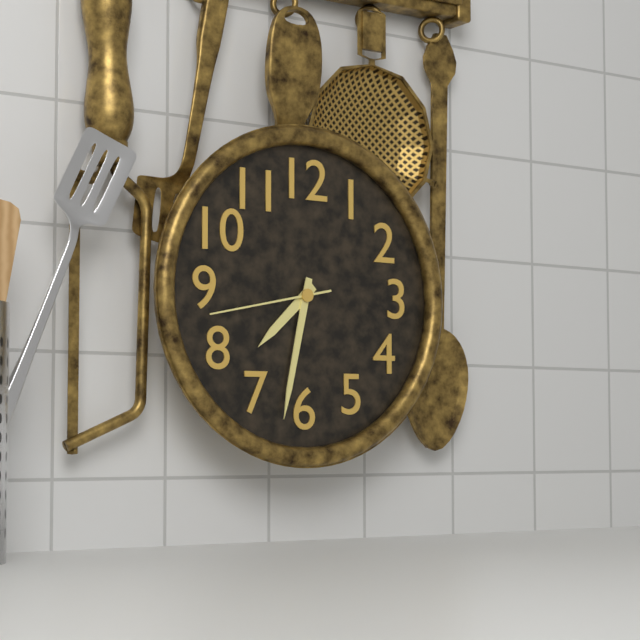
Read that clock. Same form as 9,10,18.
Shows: 7,32,43
